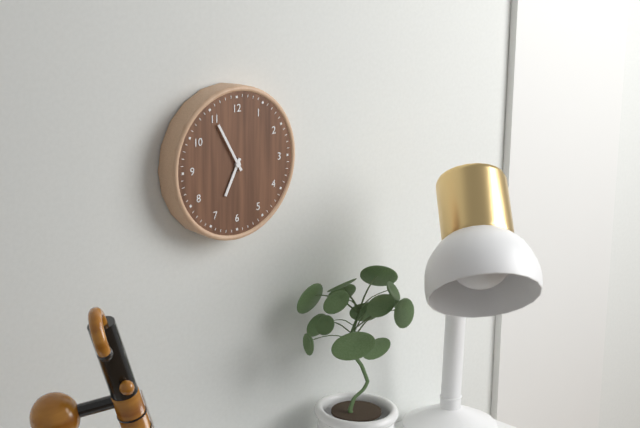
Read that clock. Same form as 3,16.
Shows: 6,55
